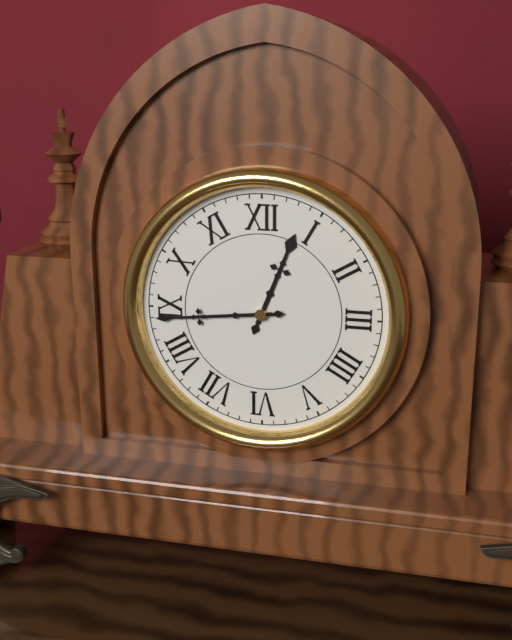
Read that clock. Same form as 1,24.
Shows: 12,44
